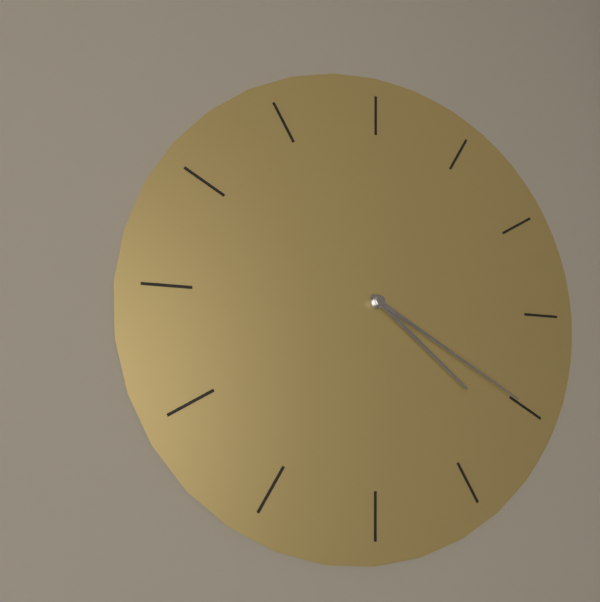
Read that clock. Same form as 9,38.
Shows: 4,20
